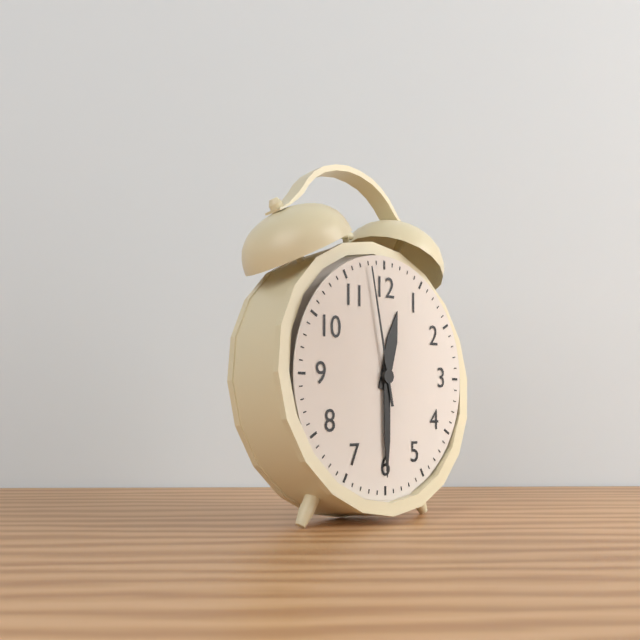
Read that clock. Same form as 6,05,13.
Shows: 12,30,58
